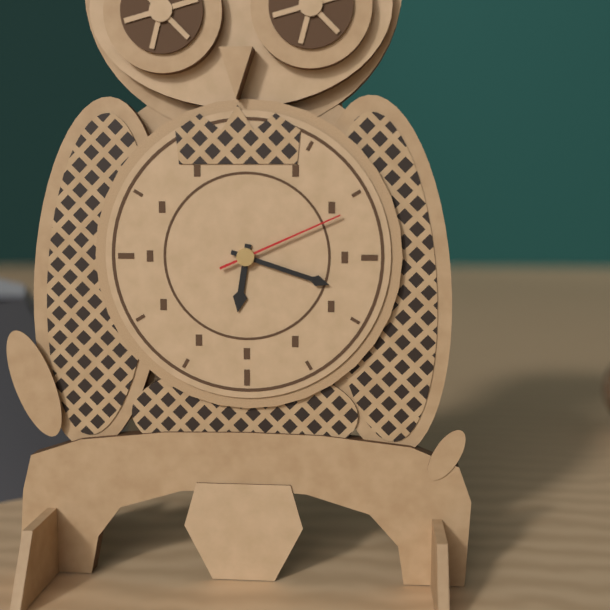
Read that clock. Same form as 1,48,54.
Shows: 6,18,11
